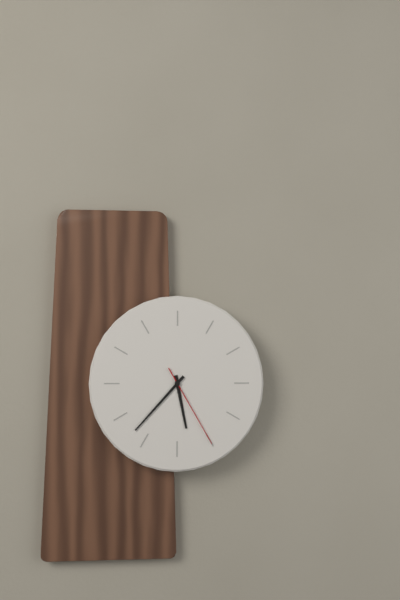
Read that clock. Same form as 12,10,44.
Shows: 5,37,25
